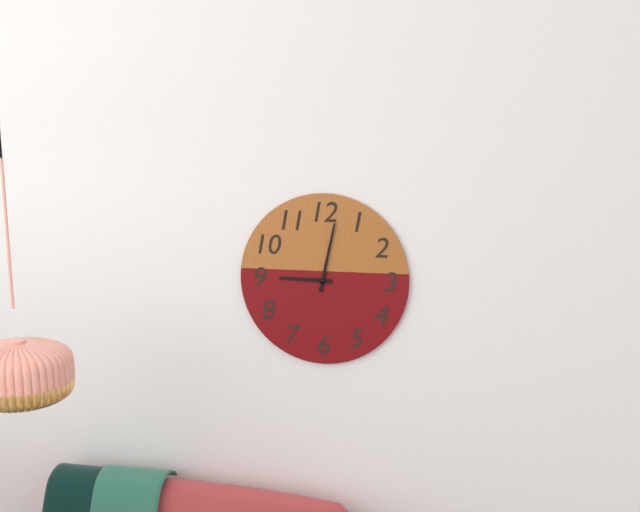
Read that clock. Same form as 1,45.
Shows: 9,02
